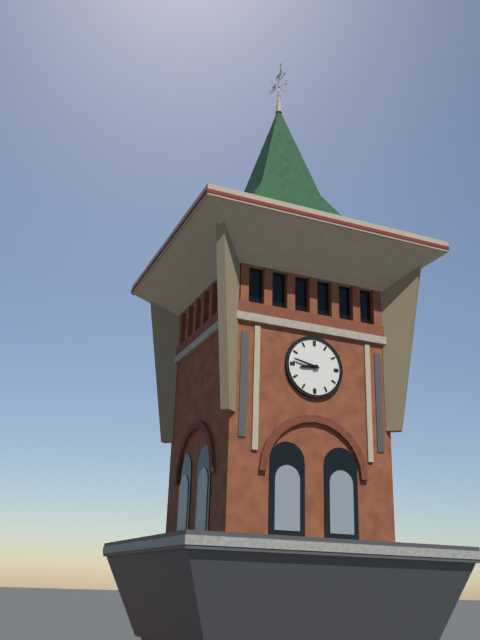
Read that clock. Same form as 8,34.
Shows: 8,47
